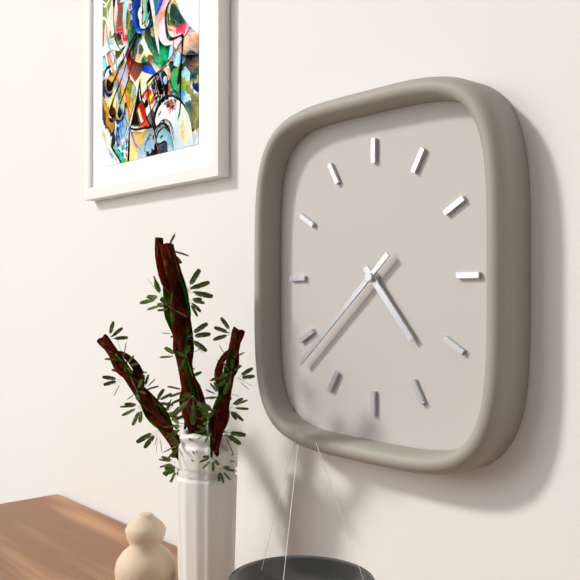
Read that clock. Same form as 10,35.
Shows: 4,38
